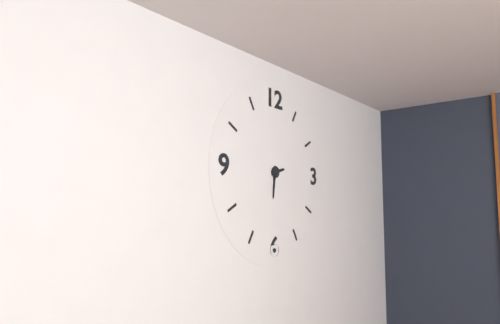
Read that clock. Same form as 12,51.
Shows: 2,31
